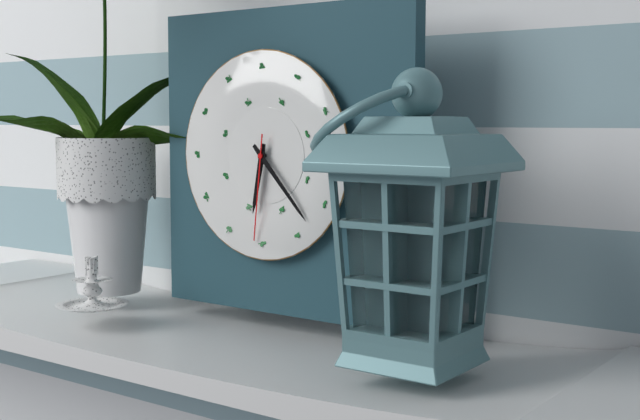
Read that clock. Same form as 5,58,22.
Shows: 6,23,31
